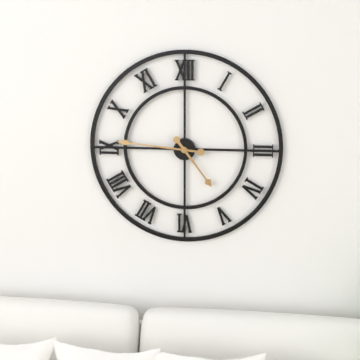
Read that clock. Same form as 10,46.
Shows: 4,46
